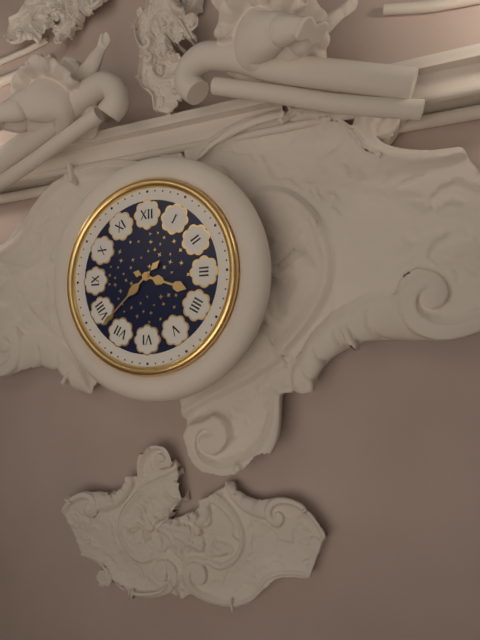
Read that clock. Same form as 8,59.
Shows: 3,38
